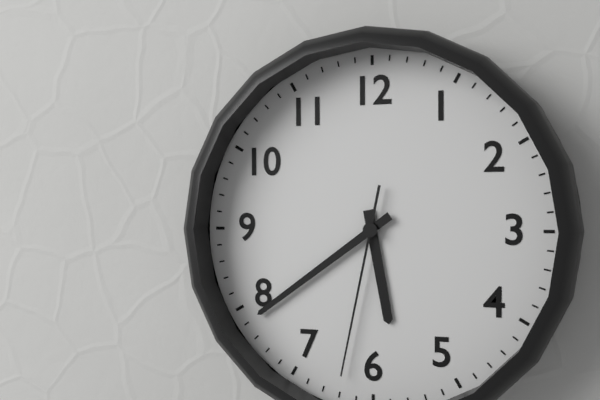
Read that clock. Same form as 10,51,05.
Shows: 5,39,32
